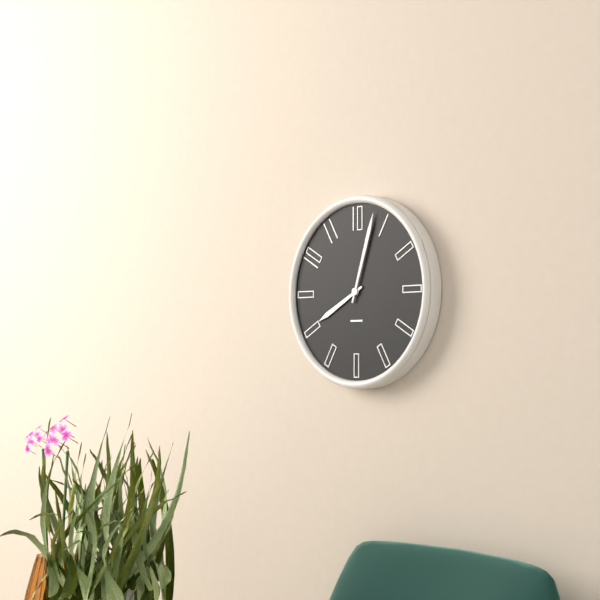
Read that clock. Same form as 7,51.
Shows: 8,03
